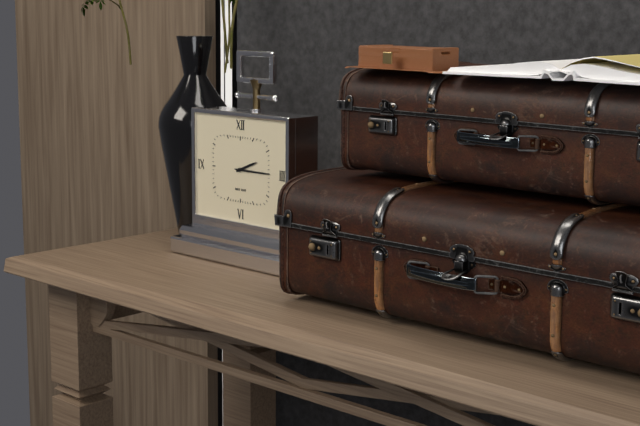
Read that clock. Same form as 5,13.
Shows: 2,15
